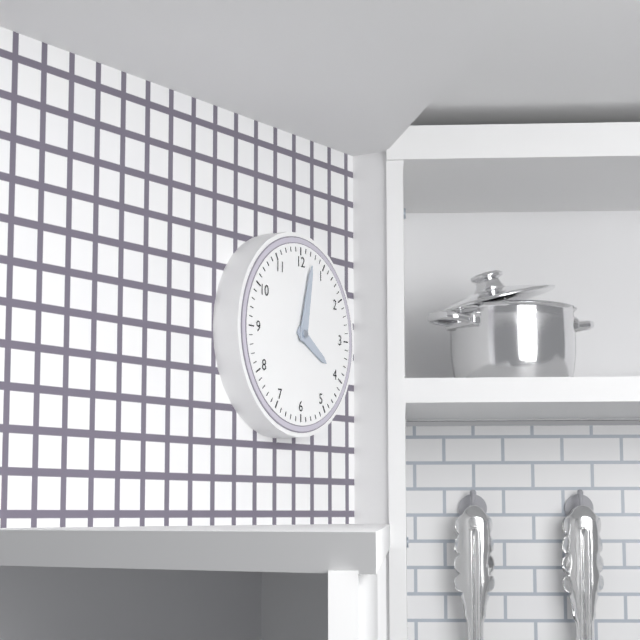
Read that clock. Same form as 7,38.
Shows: 4,02
